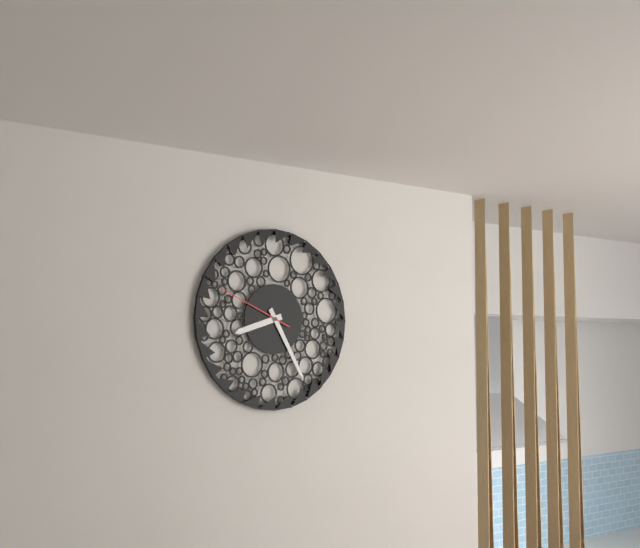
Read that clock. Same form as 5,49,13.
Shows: 8,25,49
